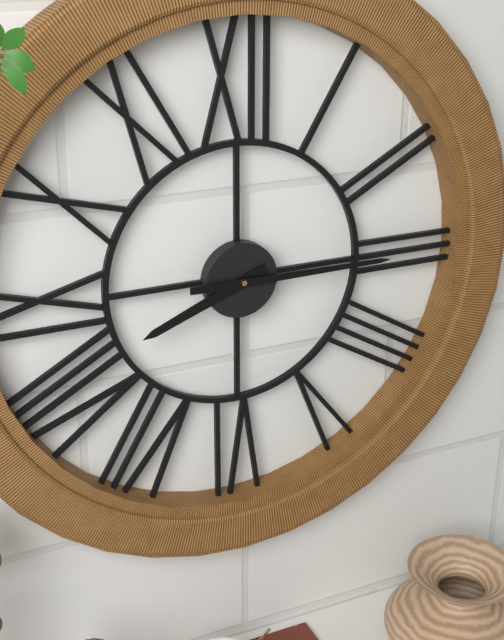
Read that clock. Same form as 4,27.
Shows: 8,15
